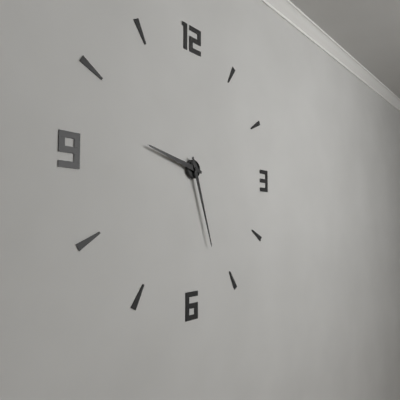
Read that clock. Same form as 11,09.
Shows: 9,27
